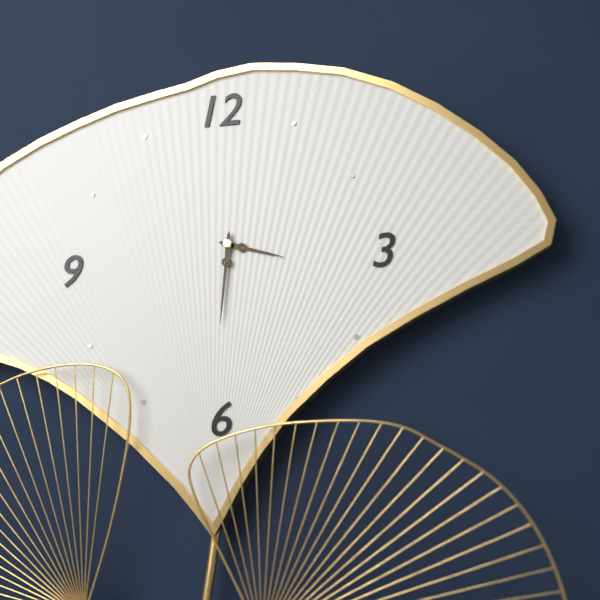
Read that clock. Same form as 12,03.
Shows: 3,31
